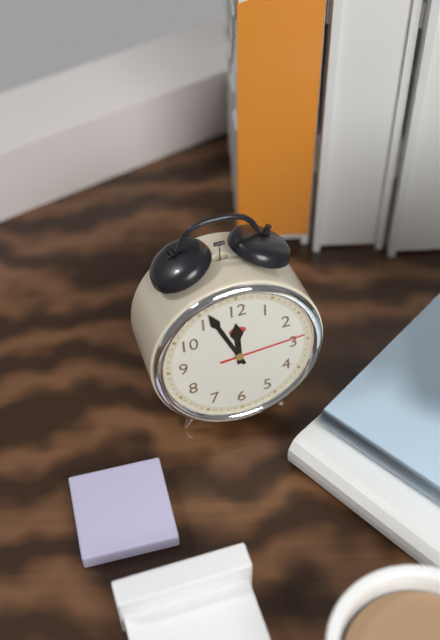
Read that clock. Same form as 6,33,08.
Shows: 11,56,14
